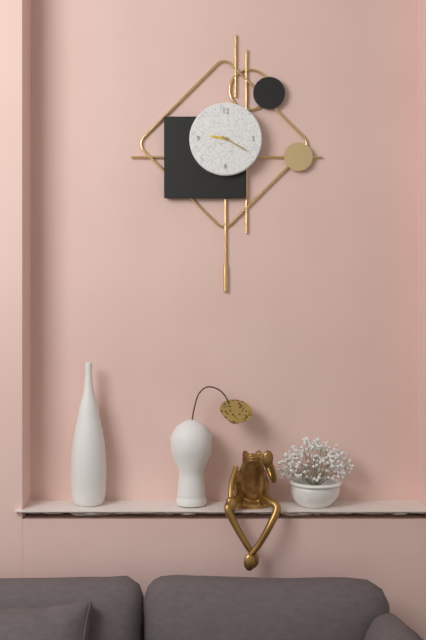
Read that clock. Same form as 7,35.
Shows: 9,20
